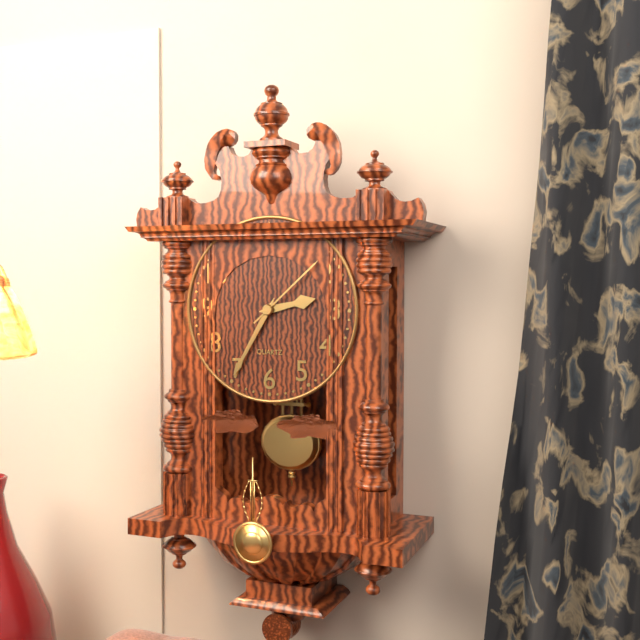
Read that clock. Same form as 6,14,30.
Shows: 2,35,08
